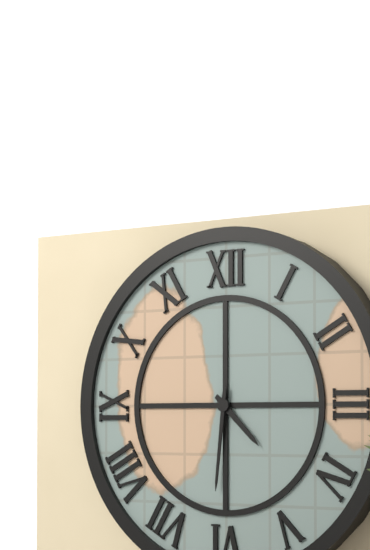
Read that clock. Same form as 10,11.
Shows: 4,31
